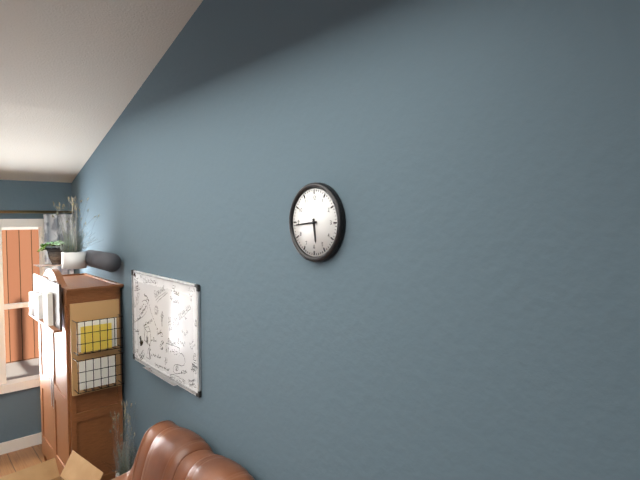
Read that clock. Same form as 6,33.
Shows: 5,44
